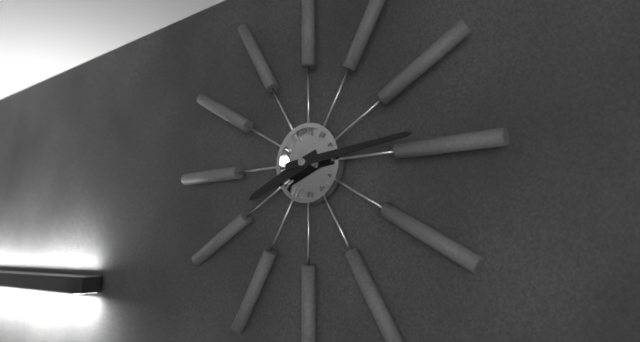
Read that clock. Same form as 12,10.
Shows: 8,14
